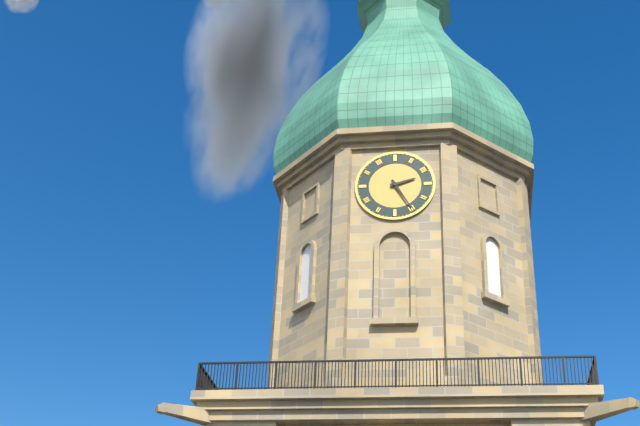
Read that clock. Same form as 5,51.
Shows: 2,25
